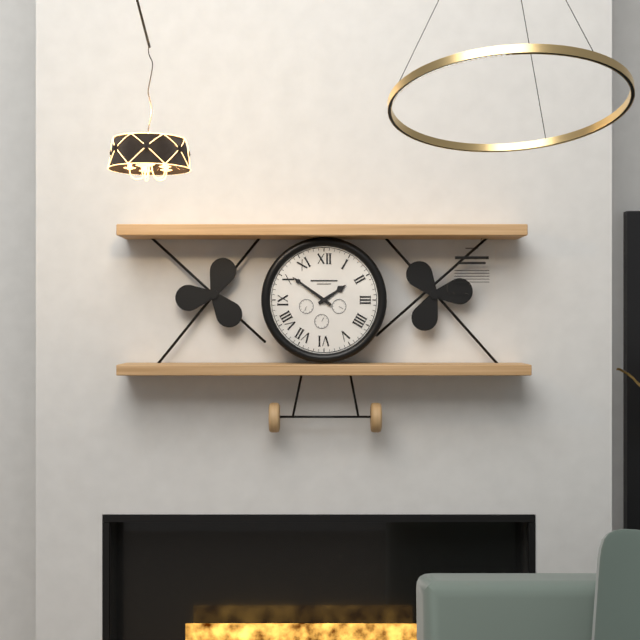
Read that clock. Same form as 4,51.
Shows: 1,51
